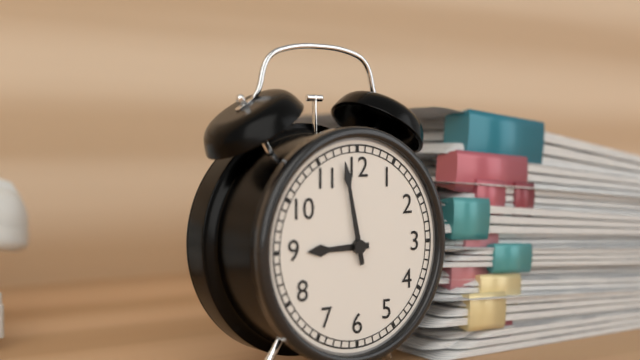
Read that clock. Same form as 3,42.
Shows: 8,58
